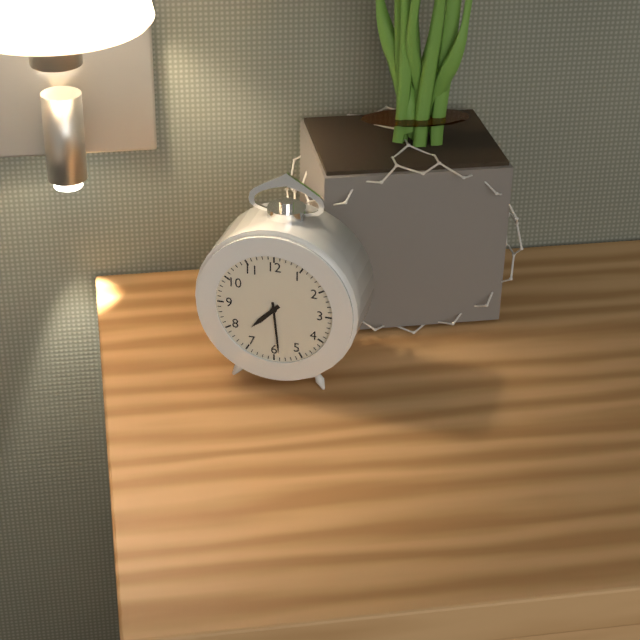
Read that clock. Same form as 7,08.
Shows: 7,29
